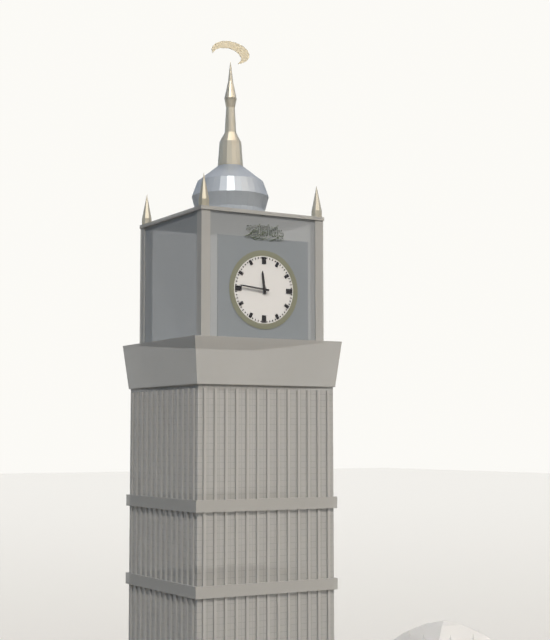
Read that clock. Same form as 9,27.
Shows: 11,46
